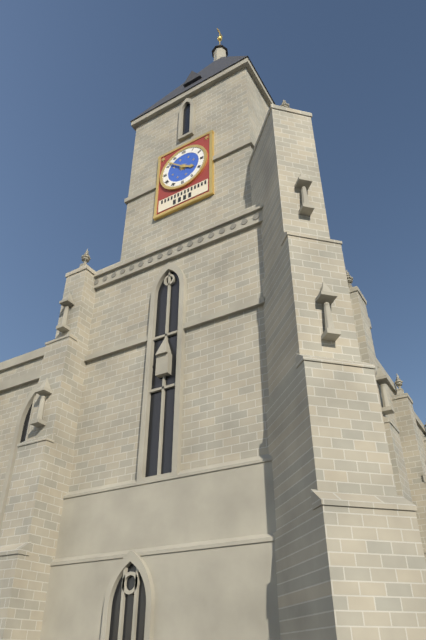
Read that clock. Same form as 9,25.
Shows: 3,52
